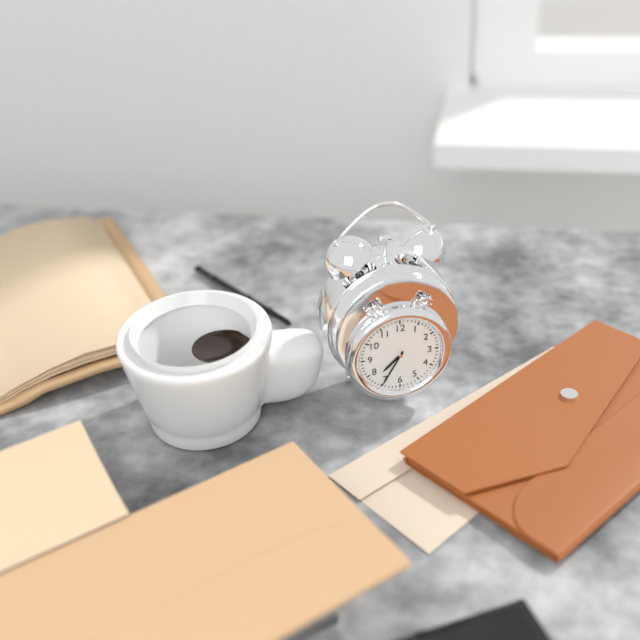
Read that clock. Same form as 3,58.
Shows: 7,35
